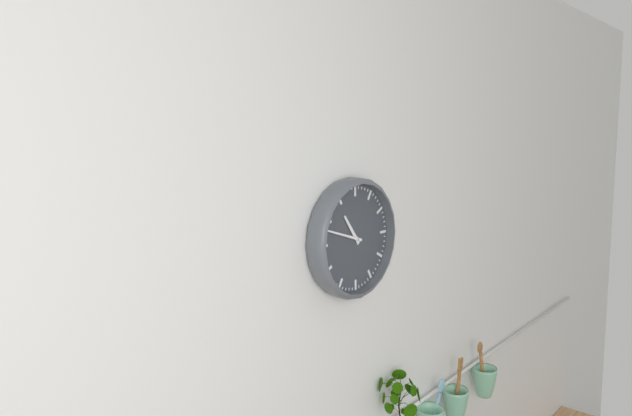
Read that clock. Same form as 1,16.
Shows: 10,48
